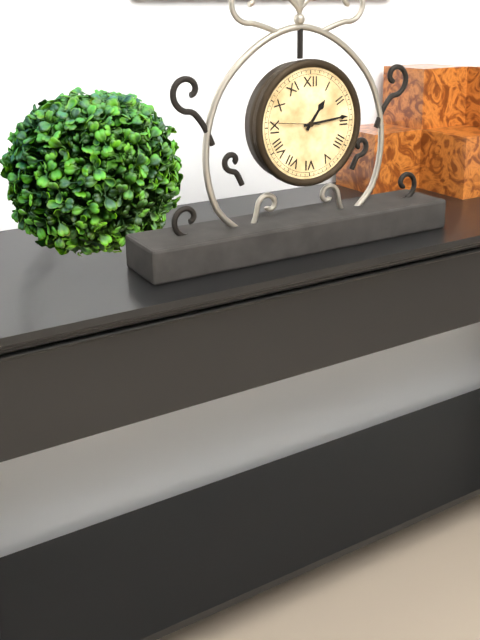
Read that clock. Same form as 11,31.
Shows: 1,14
